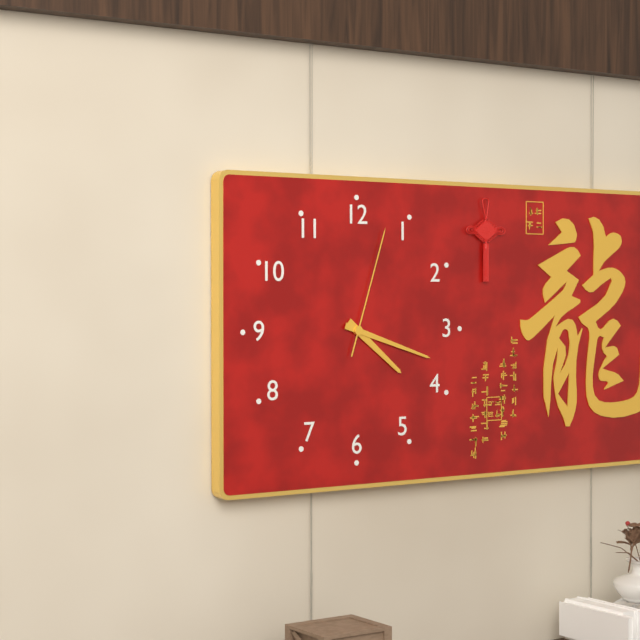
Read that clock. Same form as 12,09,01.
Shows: 4,18,03
